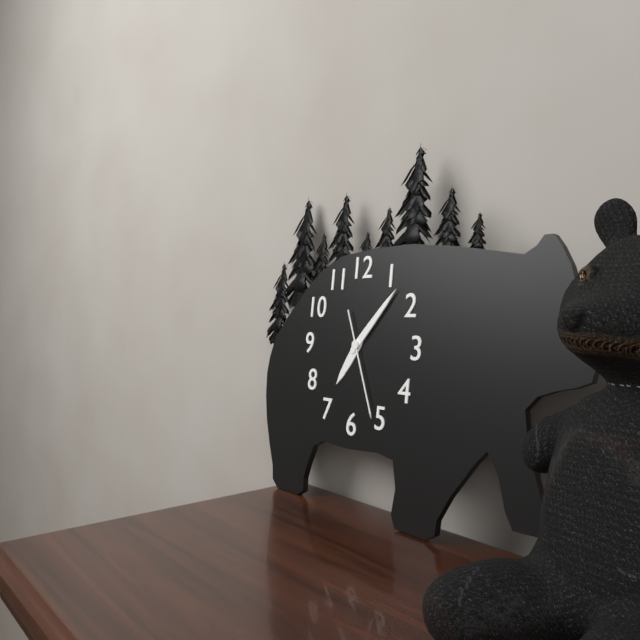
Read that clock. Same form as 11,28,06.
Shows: 7,07,26
